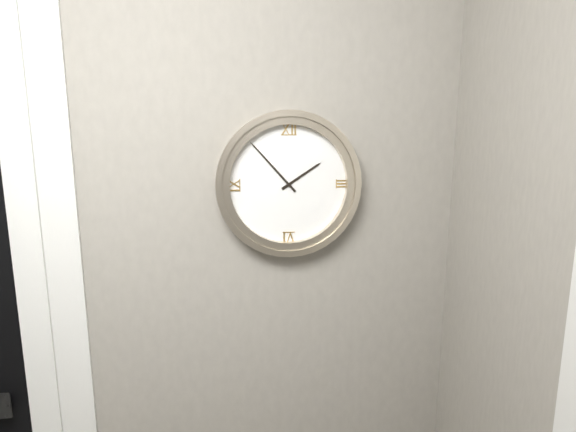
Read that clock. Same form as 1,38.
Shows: 1,53
